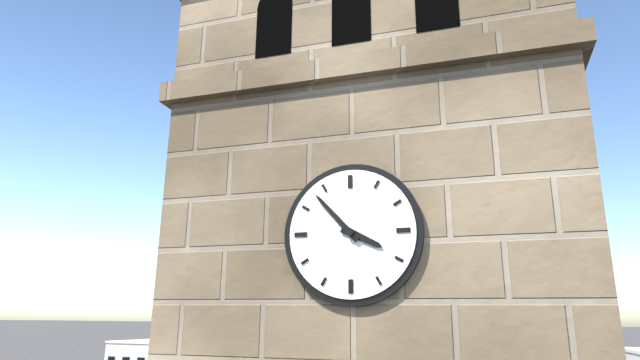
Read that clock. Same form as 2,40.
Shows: 3,53
